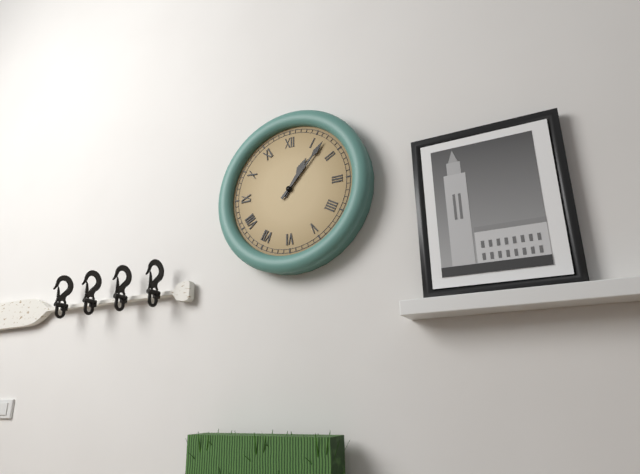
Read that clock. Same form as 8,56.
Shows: 1,07
